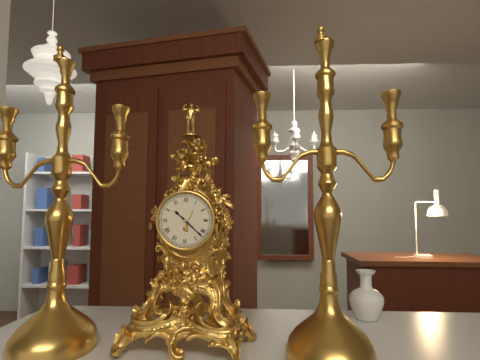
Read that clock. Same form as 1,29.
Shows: 10,22
